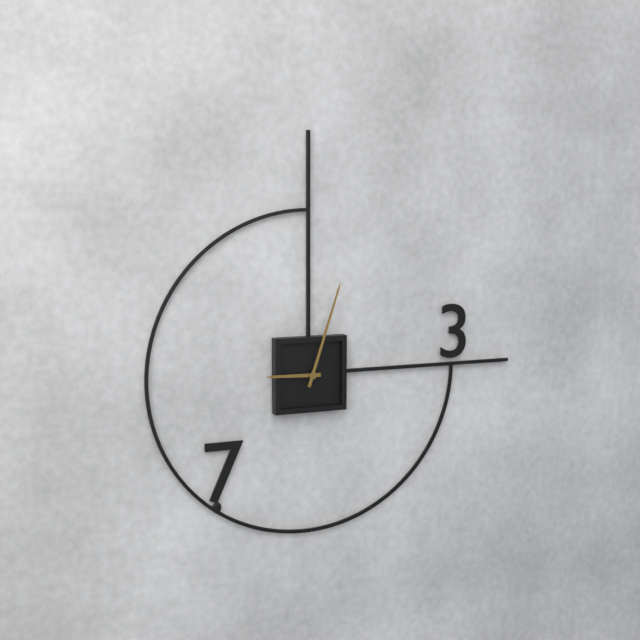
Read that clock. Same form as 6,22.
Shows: 9,03
